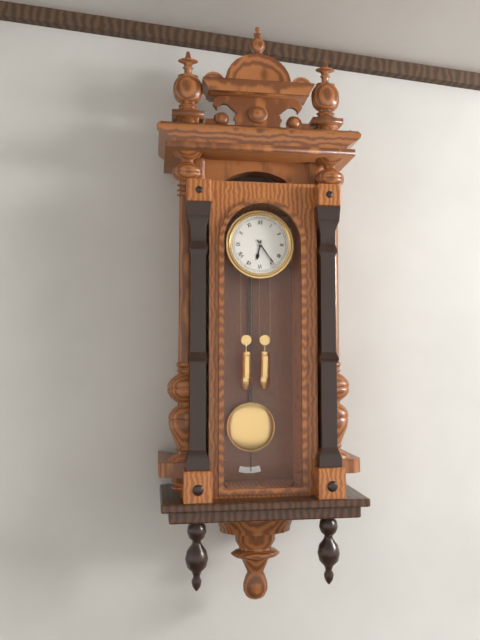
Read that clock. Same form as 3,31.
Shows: 6,24
